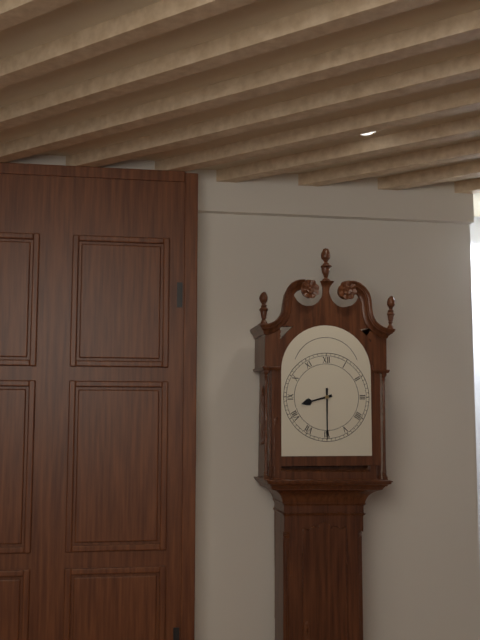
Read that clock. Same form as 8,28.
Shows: 8,30
